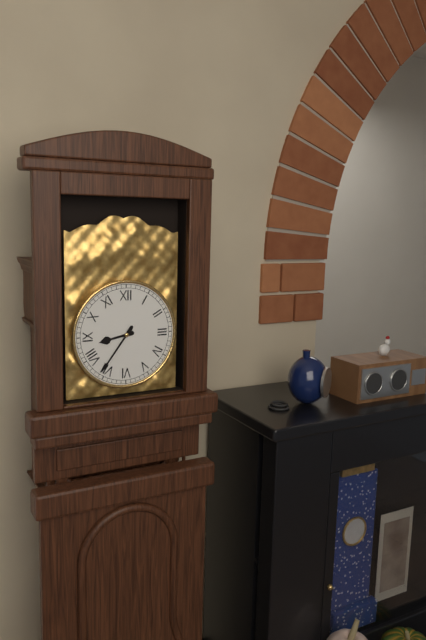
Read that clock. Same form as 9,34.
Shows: 8,36
